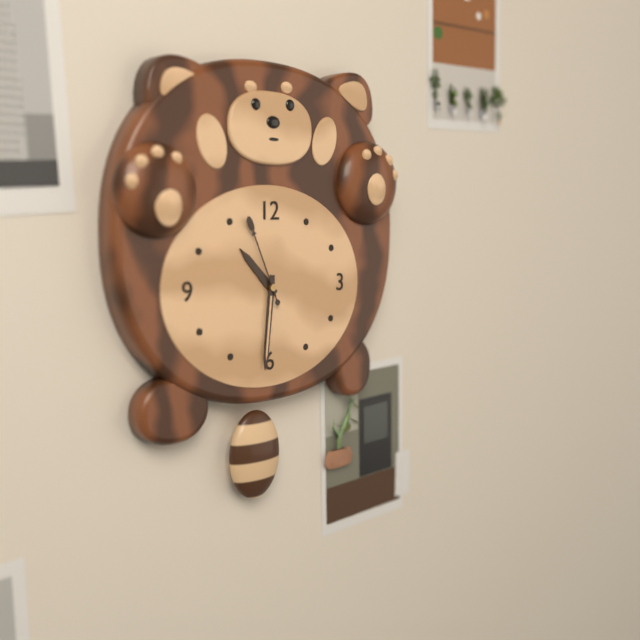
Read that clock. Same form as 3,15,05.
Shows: 10,31,56
